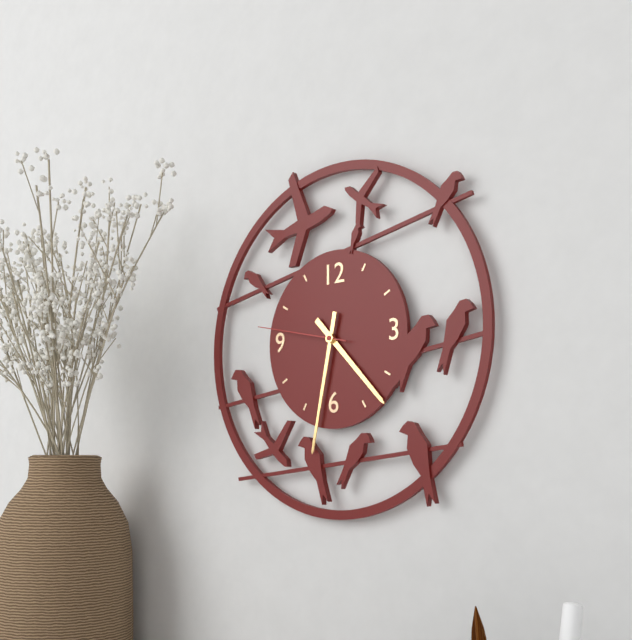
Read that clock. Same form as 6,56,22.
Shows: 4,32,47
